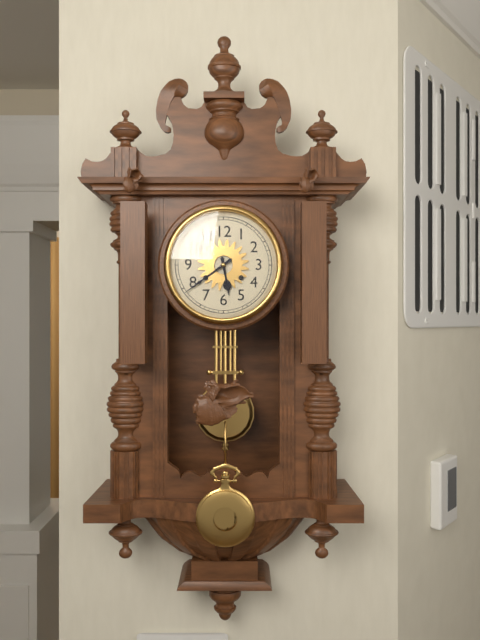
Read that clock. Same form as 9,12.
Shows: 5,39
